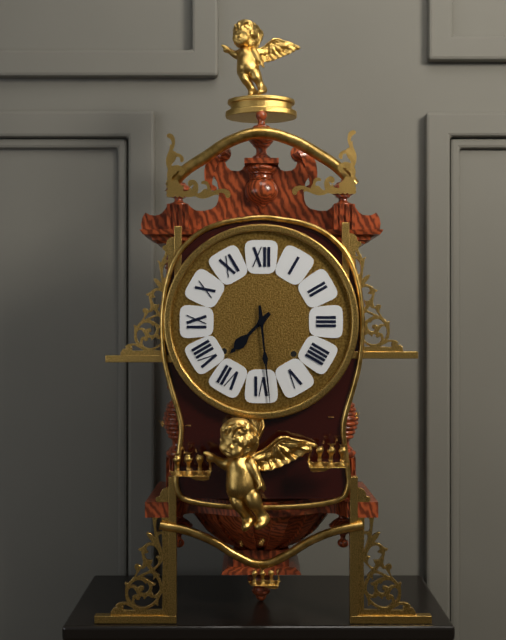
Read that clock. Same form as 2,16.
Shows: 7,29
